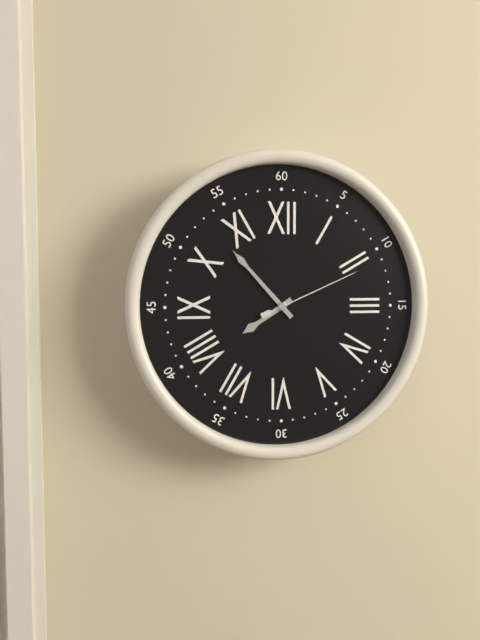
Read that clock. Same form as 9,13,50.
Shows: 7,53,11
